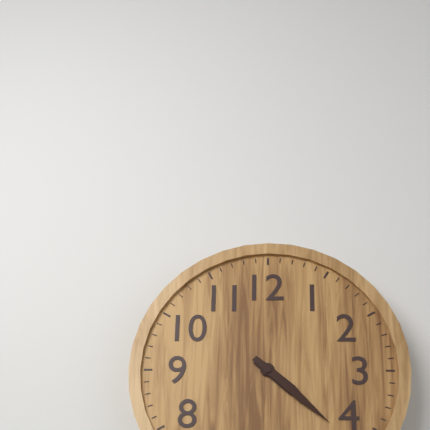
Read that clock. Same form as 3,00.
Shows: 4,22
